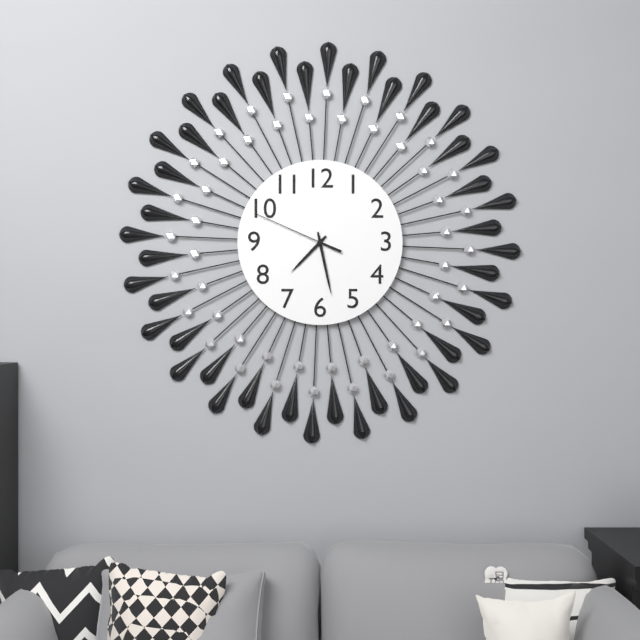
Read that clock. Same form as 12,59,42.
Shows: 7,28,49
